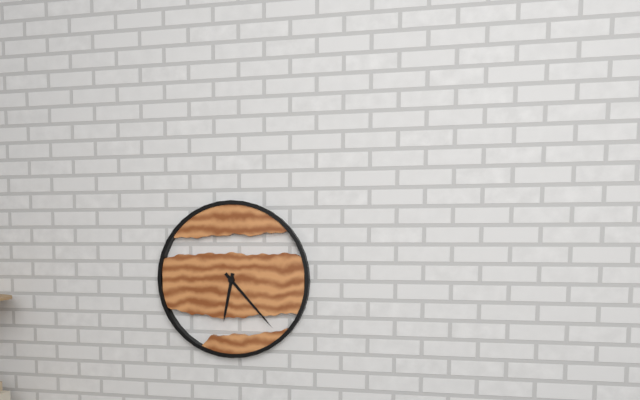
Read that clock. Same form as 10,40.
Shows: 6,23
